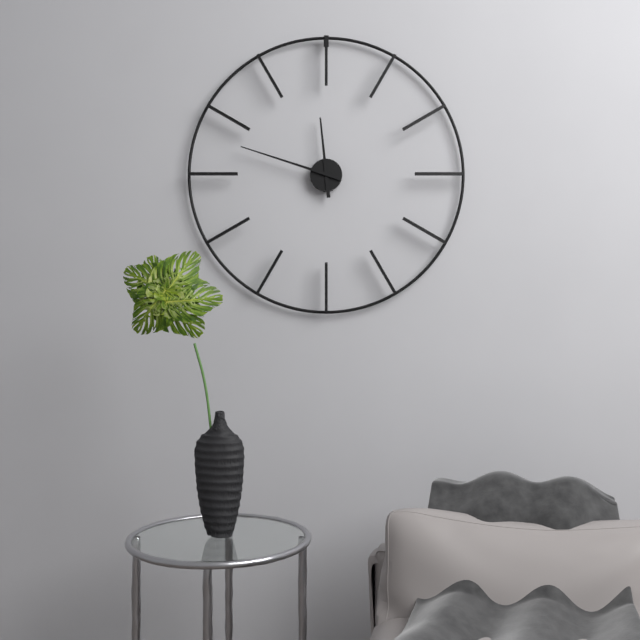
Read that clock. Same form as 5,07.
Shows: 11,48
